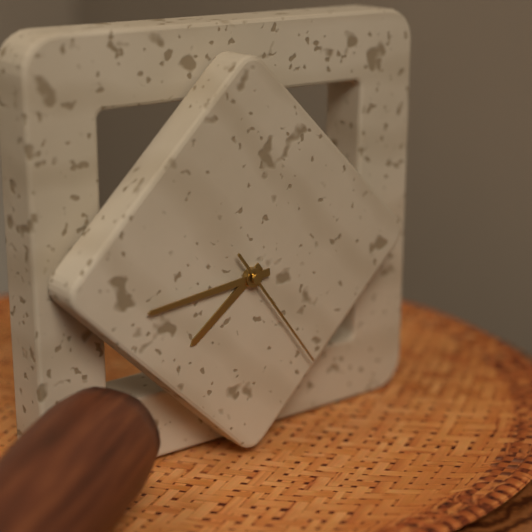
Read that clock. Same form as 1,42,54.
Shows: 7,44,24
